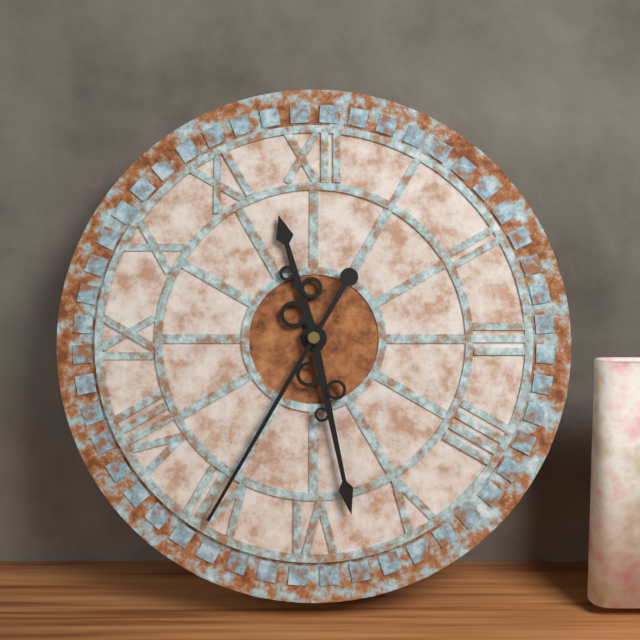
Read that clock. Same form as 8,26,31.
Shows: 11,28,35
